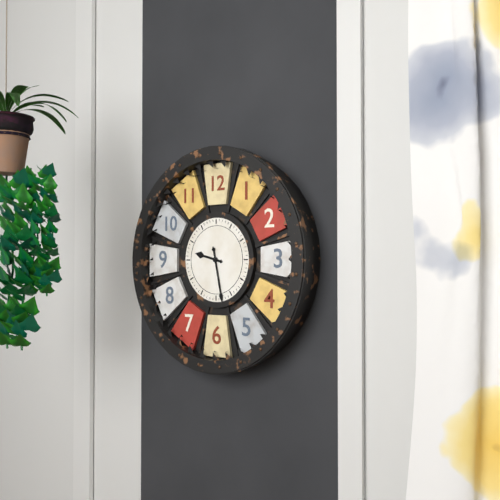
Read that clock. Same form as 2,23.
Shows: 9,28
